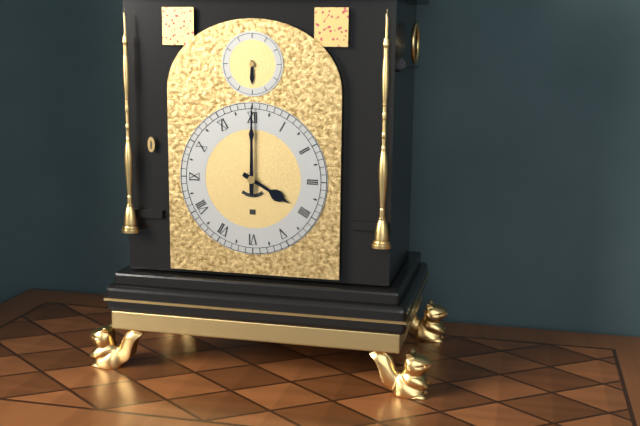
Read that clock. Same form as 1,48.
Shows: 4,00
